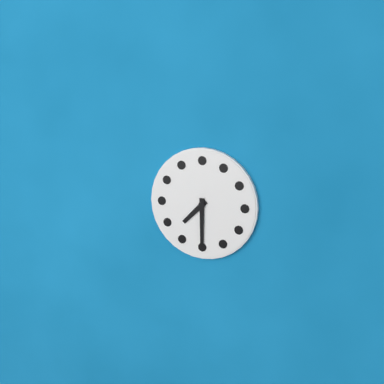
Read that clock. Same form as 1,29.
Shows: 7,30
